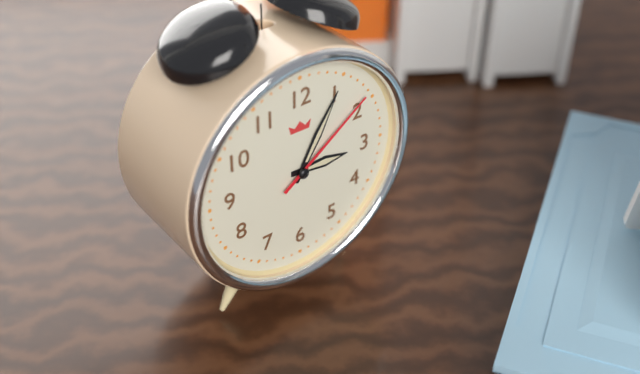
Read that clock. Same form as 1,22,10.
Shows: 3,05,09
